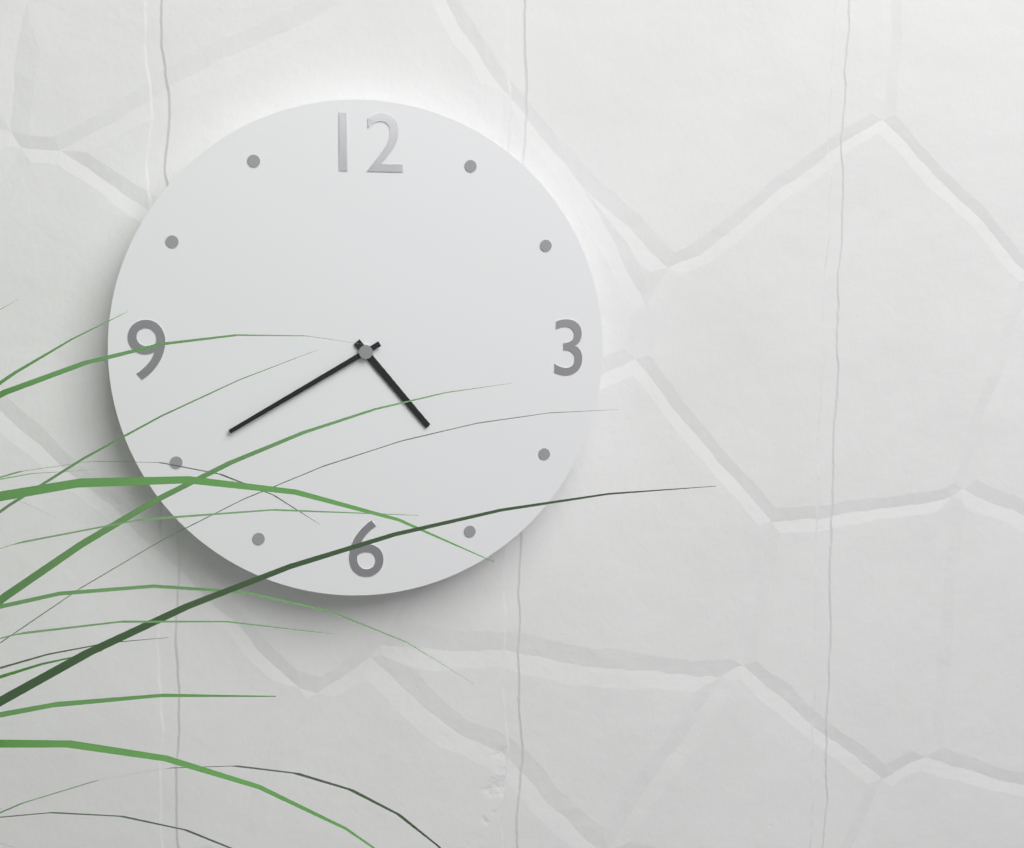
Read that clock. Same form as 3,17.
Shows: 4,40
